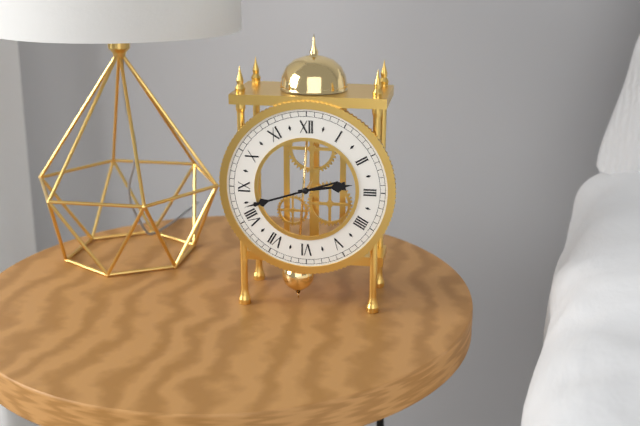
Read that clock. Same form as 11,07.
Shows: 2,42
